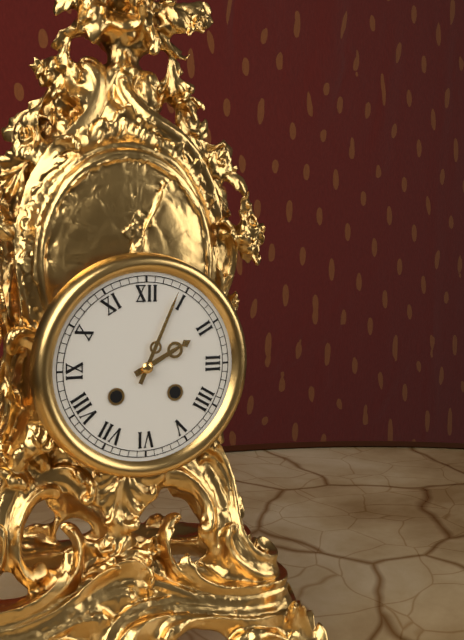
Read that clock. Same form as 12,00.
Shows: 2,04
